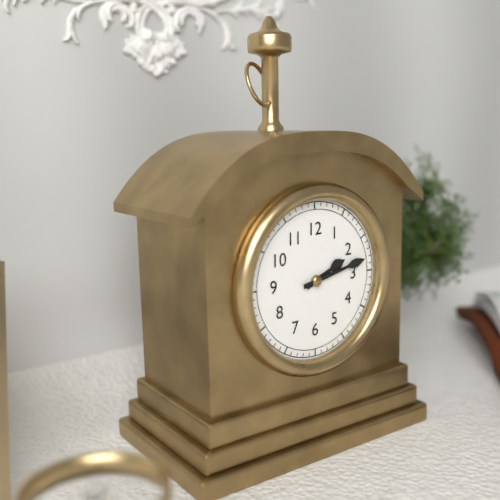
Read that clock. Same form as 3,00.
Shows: 2,13
